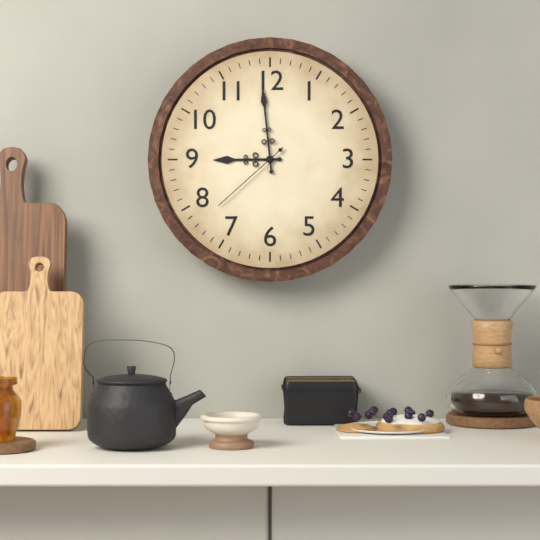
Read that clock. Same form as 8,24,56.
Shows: 8,59,38
